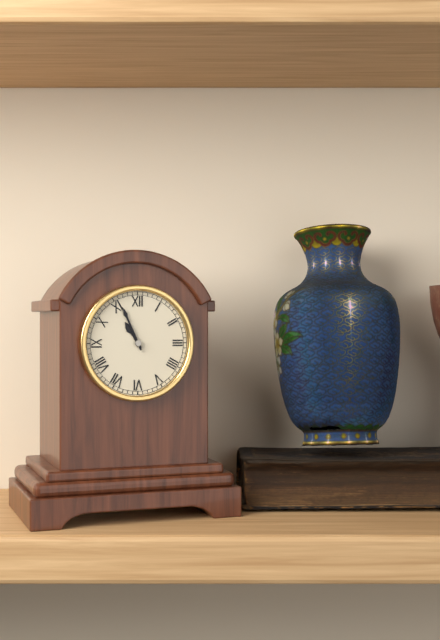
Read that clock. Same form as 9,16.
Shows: 10,56
